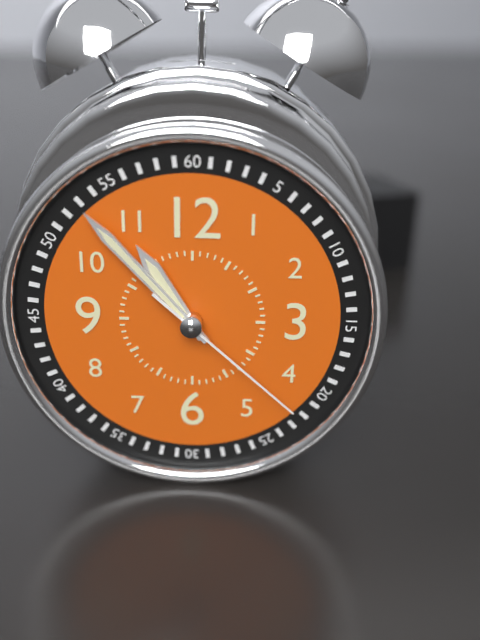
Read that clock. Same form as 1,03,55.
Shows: 10,53,22
